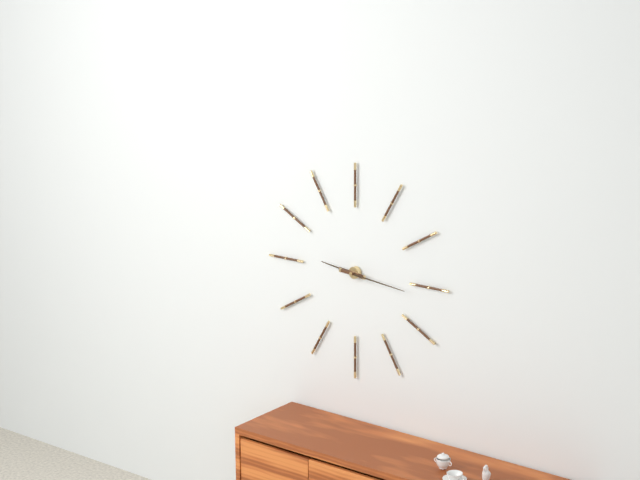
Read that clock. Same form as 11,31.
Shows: 9,16
